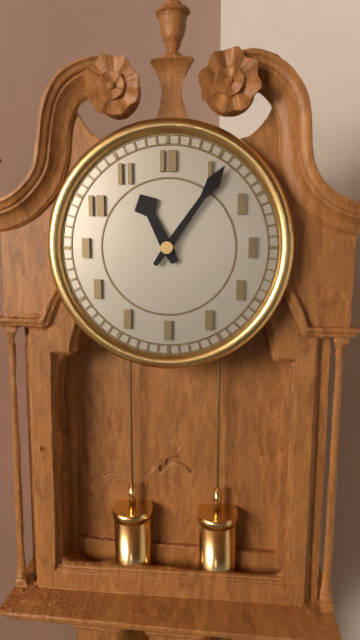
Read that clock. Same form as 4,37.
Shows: 11,06
